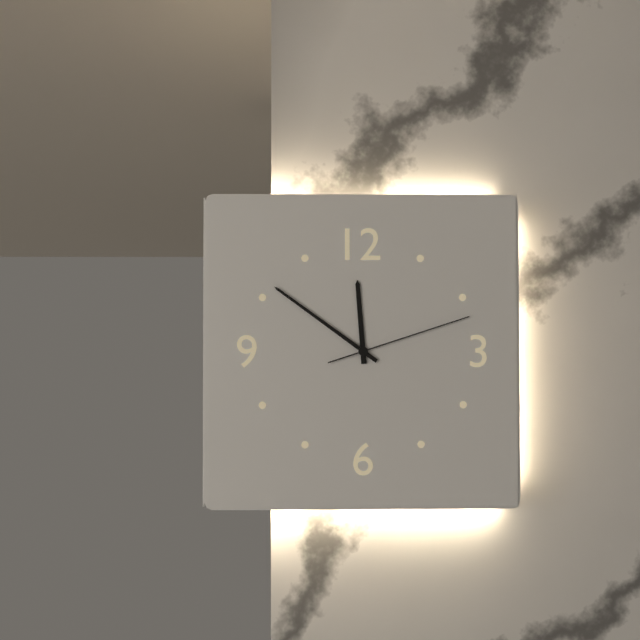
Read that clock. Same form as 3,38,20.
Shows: 11,51,12
